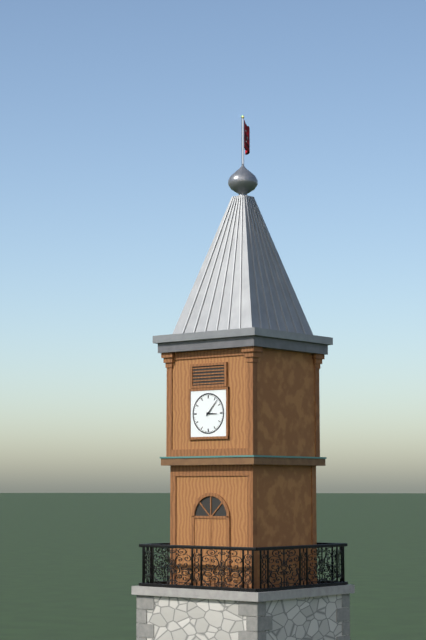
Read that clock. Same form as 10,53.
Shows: 3,07
